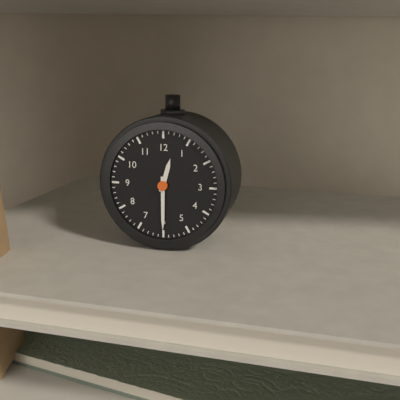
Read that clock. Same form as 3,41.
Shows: 12,30
